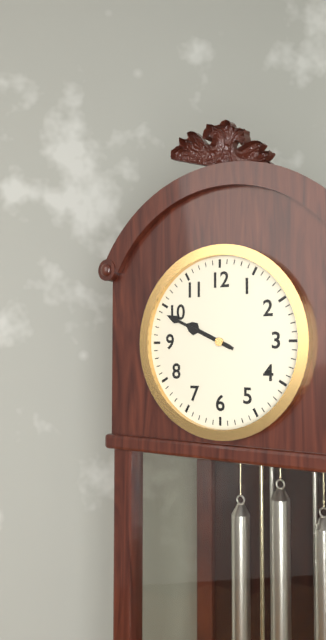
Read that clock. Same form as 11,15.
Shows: 9,49
